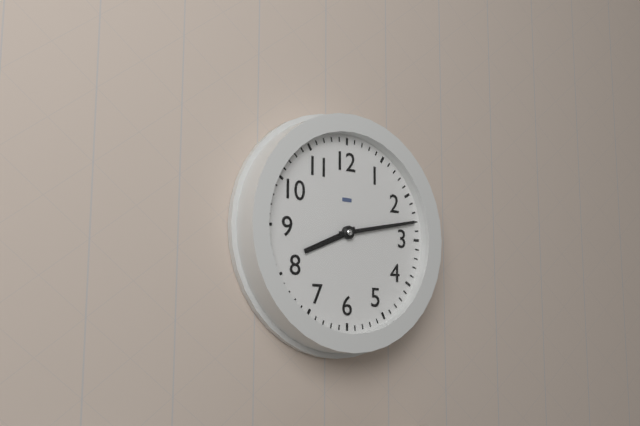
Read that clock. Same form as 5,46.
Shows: 8,13
